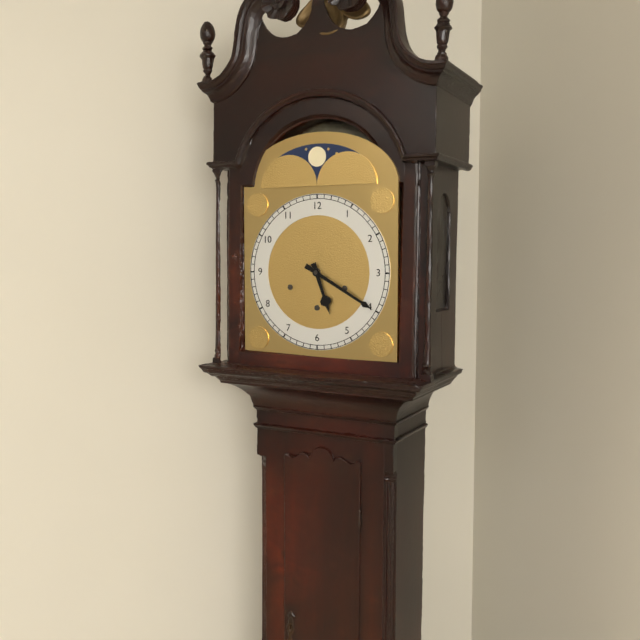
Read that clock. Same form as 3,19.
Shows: 5,20
